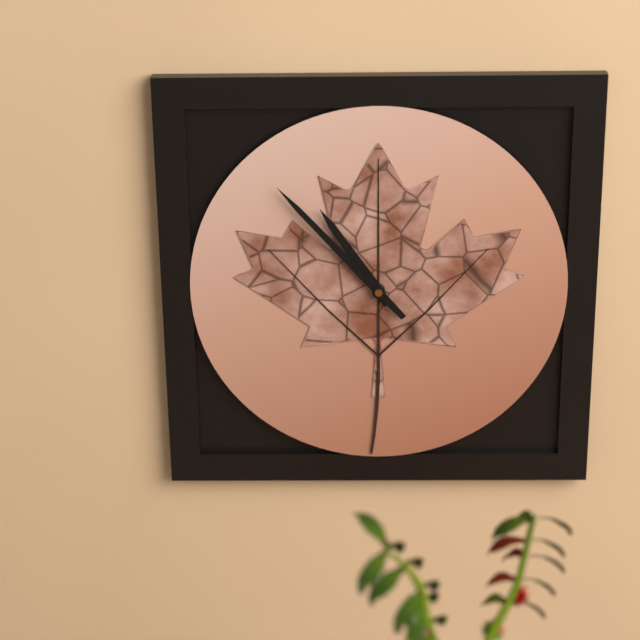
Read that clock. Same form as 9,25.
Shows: 10,53
